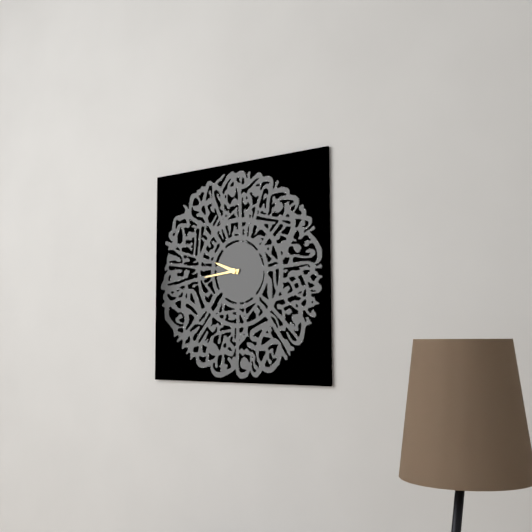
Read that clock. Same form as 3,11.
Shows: 9,44
